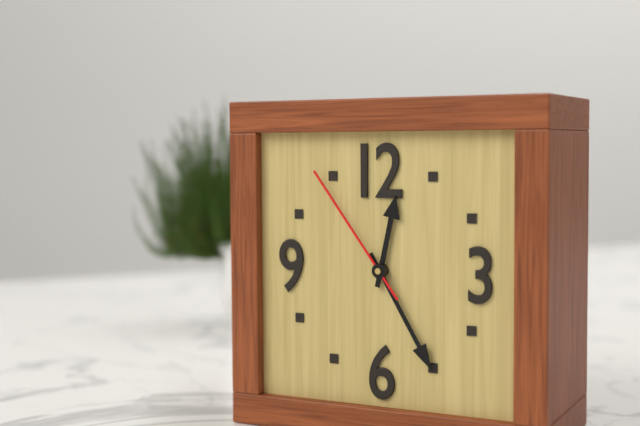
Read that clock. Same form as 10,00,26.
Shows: 12,25,54
